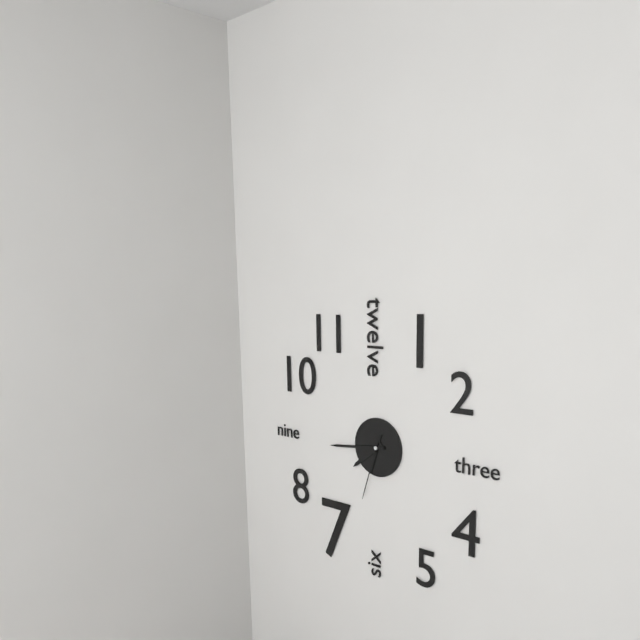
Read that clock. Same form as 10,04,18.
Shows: 7,44,33
